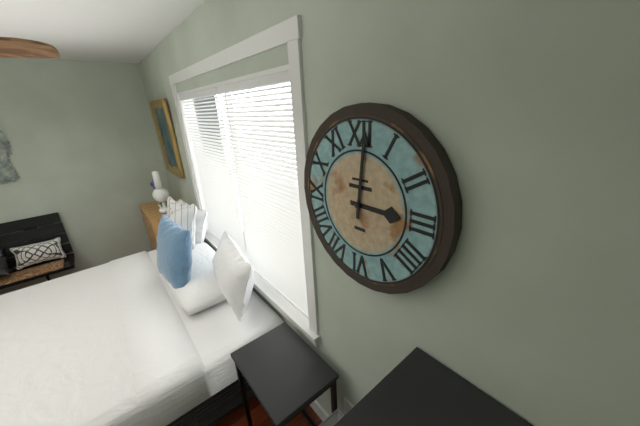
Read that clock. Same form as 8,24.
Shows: 3,01
